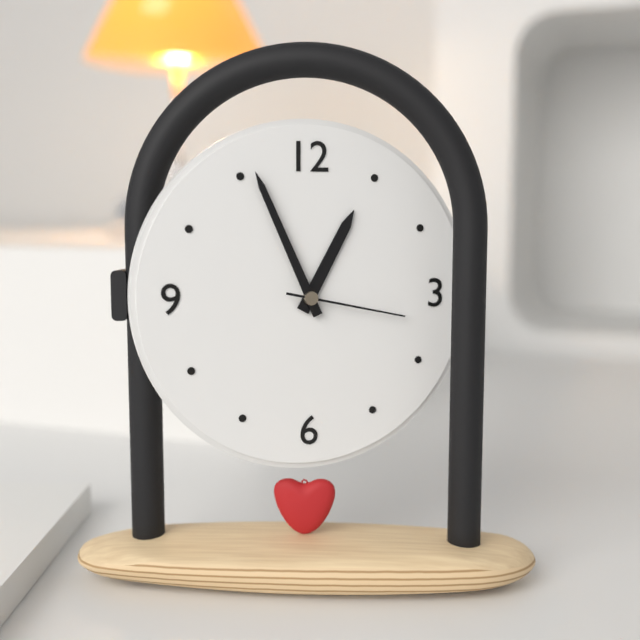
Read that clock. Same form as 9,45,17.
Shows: 12,56,17
